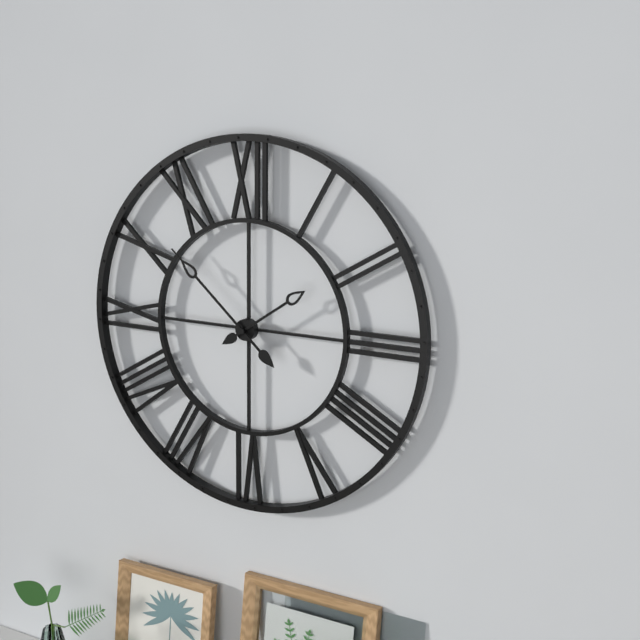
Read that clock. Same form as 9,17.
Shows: 1,52
